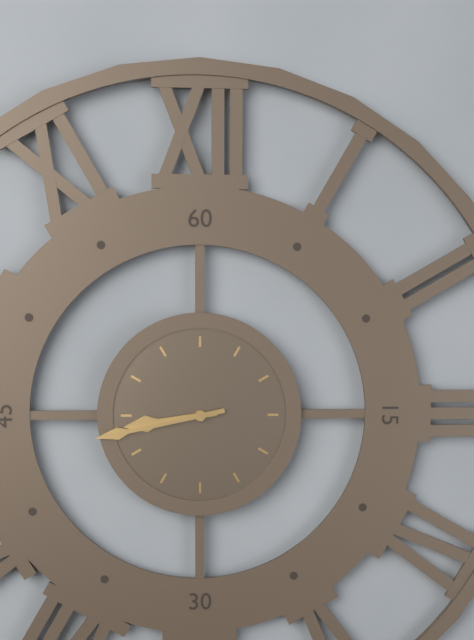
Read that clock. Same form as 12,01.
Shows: 8,43
